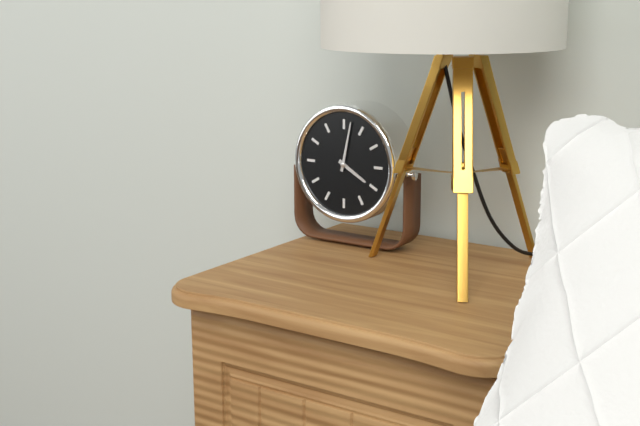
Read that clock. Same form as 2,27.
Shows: 4,02
